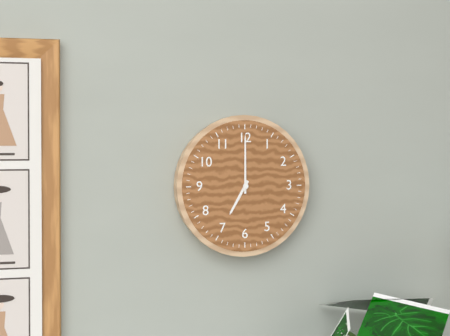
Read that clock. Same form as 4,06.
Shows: 7,00
